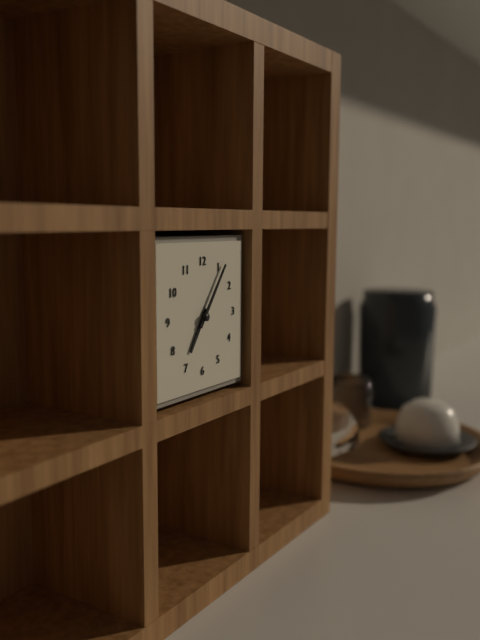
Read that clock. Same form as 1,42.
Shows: 7,06
